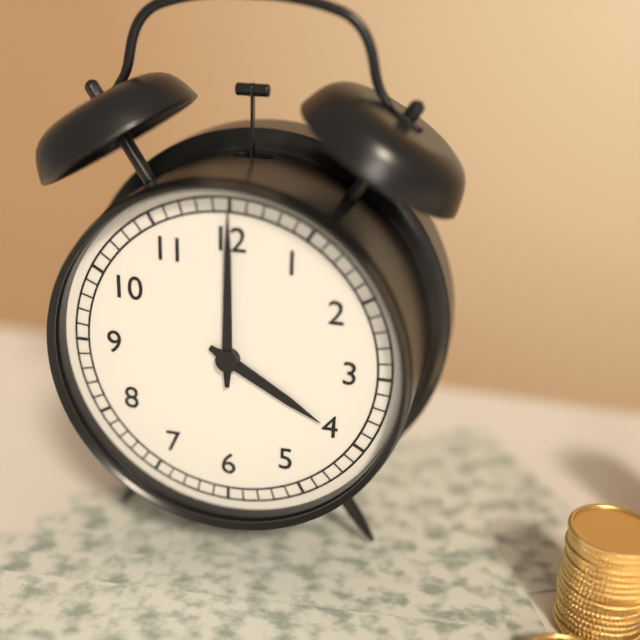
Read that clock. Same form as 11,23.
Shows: 4,00
